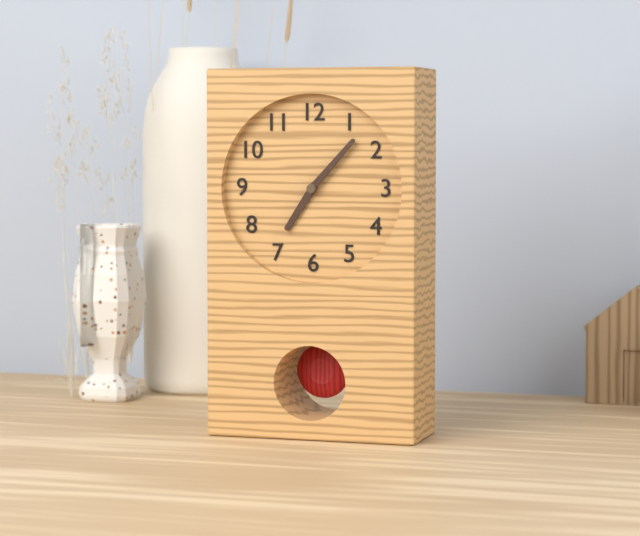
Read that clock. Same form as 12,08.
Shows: 7,07
